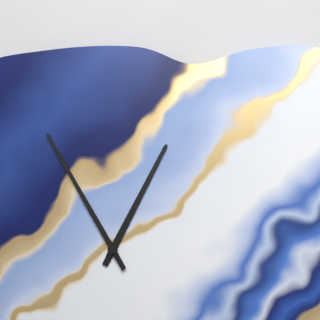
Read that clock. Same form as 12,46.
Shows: 12,55
